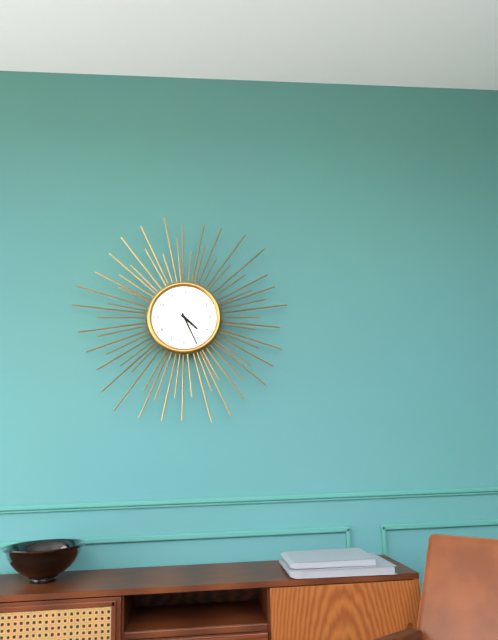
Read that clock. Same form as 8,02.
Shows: 4,26
